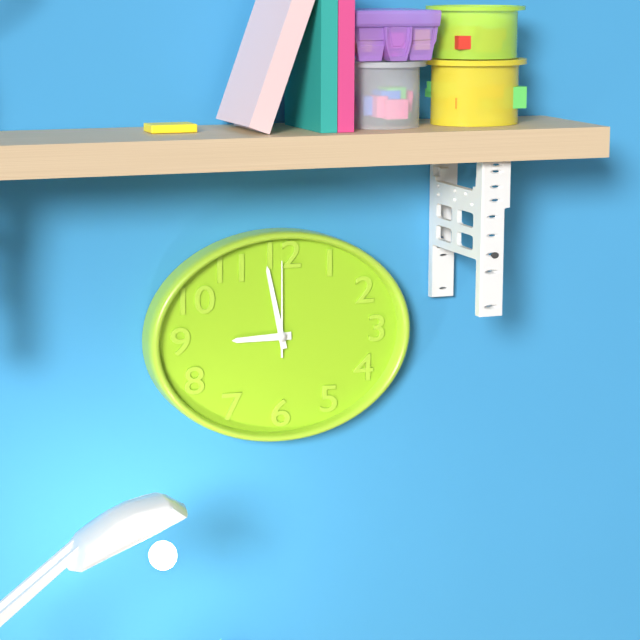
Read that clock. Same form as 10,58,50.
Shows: 8,58,00
